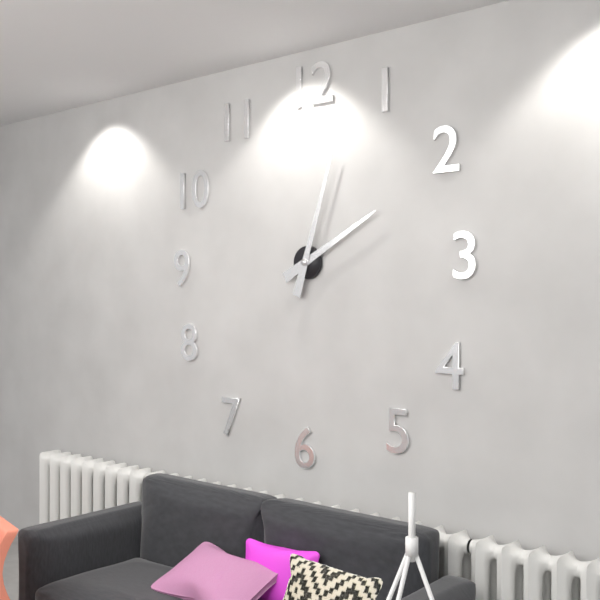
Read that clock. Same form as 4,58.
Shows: 2,03
